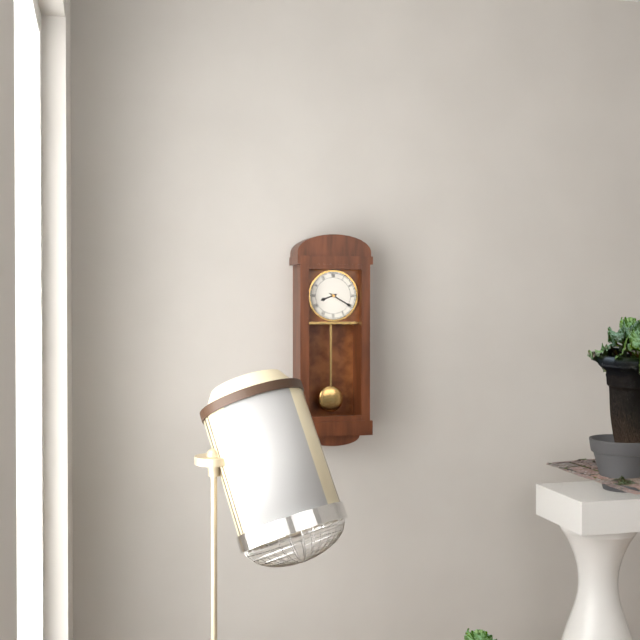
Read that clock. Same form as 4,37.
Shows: 8,20
